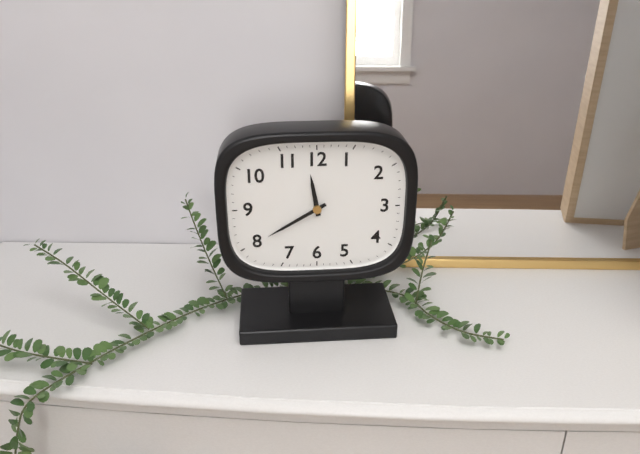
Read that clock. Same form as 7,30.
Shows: 11,40
